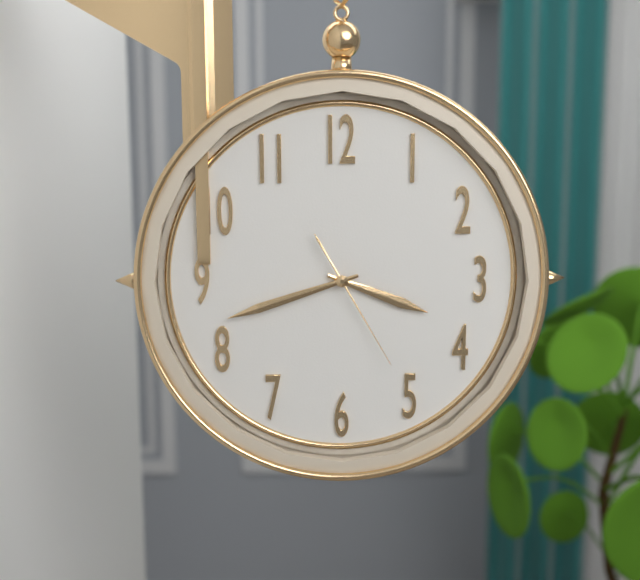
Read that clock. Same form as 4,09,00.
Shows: 3,42,25
